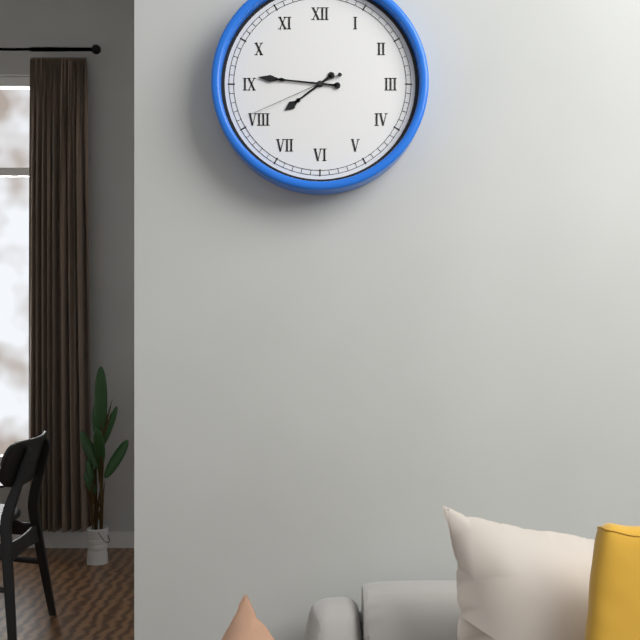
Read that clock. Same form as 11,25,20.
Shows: 7,46,41
